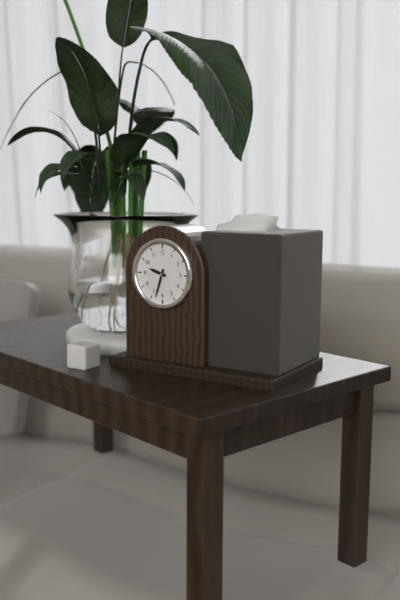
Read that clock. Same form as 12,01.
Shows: 9,33
